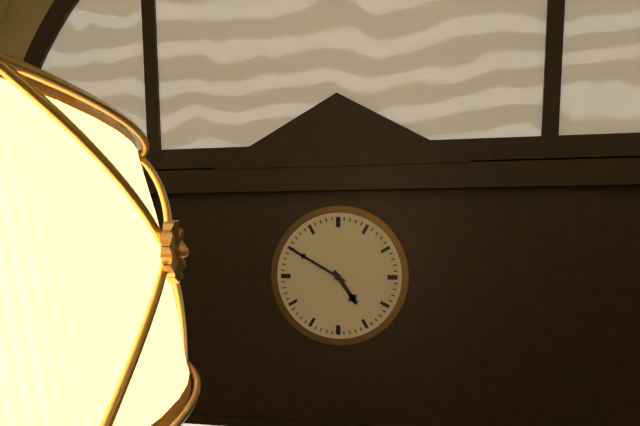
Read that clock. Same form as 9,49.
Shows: 4,50
